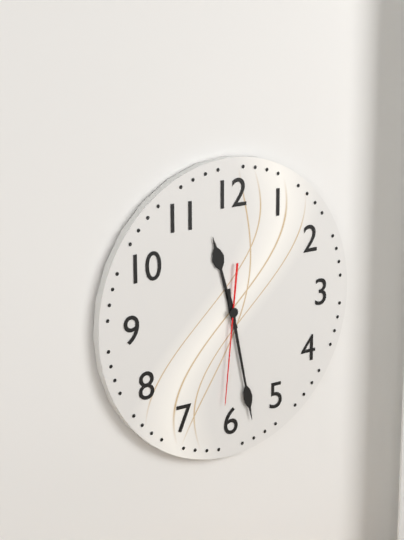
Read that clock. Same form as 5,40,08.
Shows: 11,28,31
